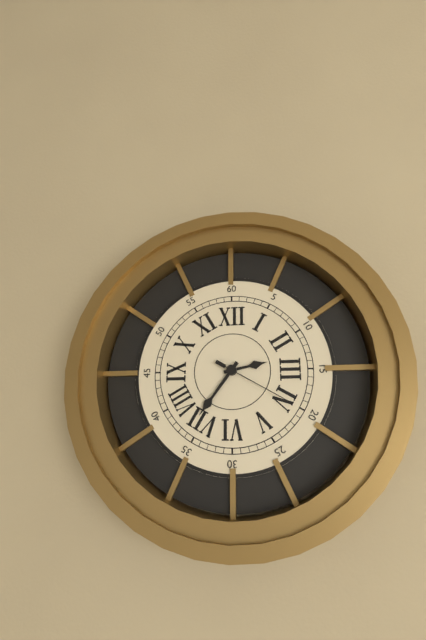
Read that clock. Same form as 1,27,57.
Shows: 2,36,20
